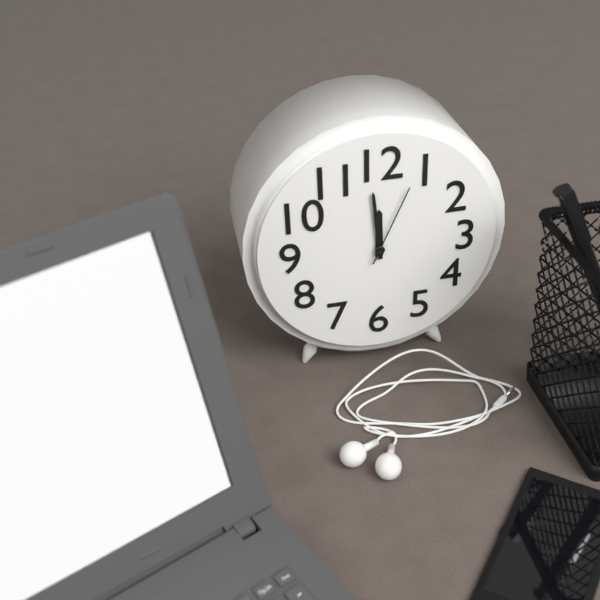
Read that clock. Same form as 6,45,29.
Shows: 11,59,04
